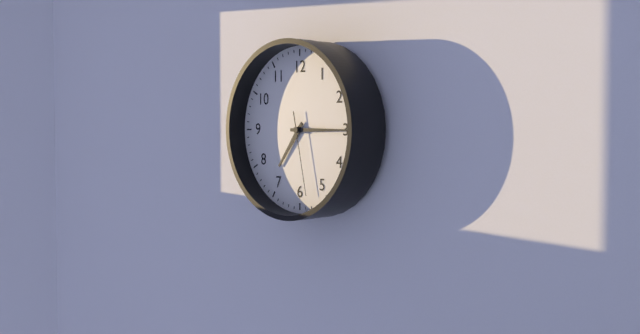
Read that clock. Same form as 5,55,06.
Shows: 7,15,28
